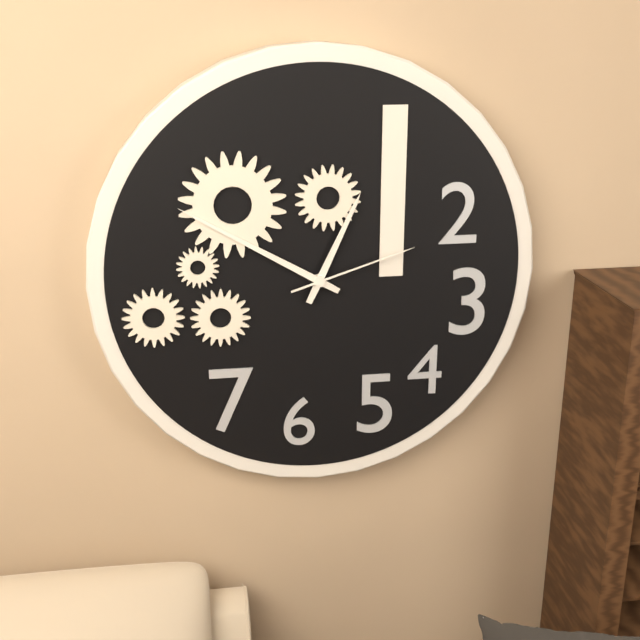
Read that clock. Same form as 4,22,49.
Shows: 12,50,12
